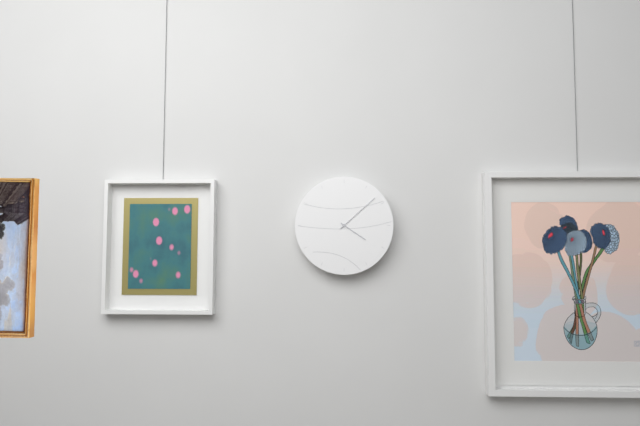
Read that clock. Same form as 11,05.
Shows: 4,08
